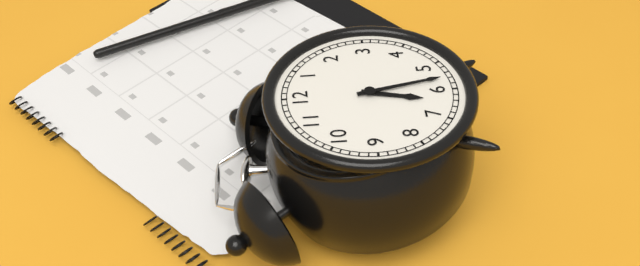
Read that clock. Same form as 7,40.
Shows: 6,28
